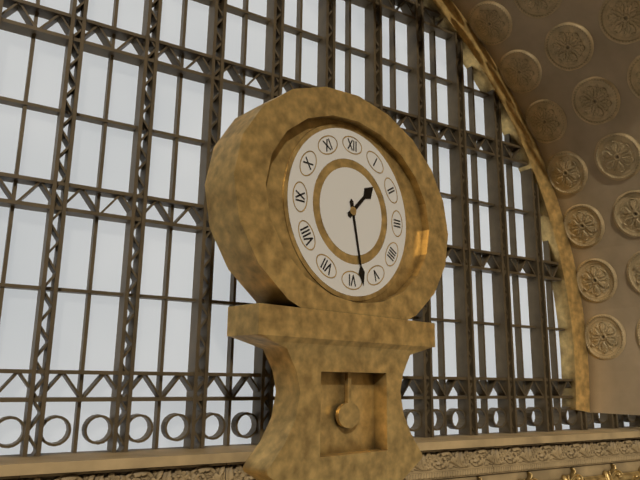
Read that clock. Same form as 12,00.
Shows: 1,28
